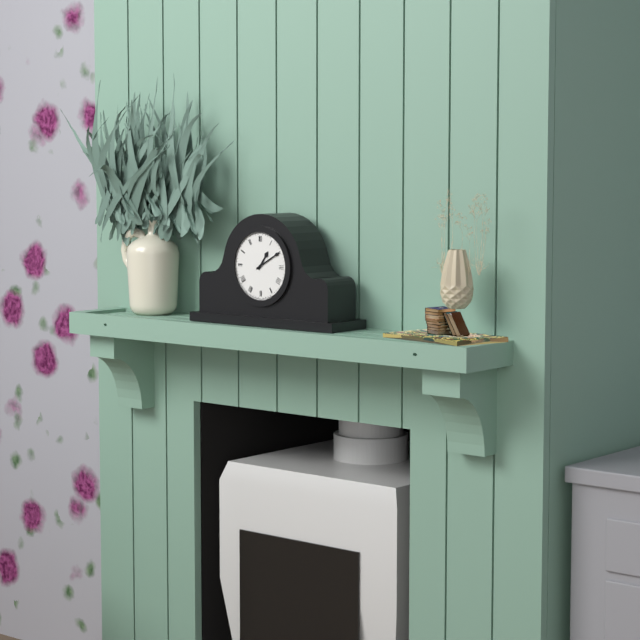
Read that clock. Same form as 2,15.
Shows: 1,10
